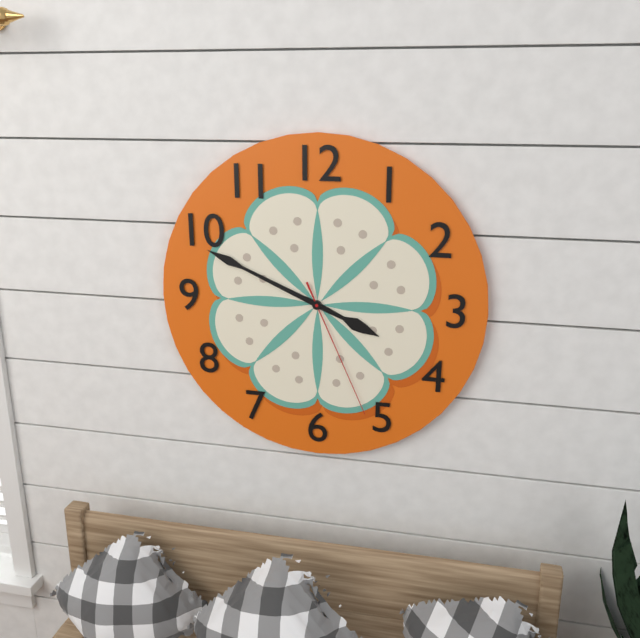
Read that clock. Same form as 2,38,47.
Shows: 3,49,26
